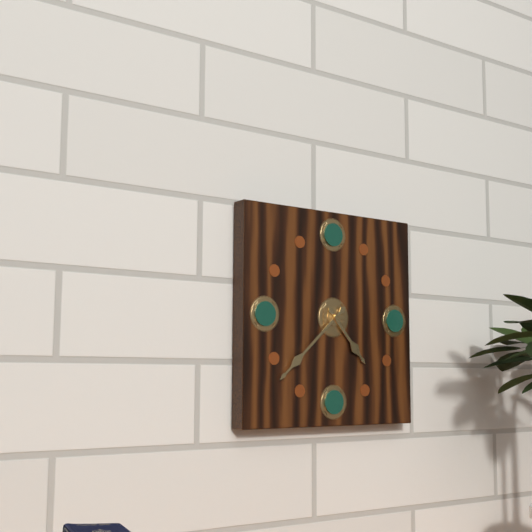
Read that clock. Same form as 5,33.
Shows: 4,38
